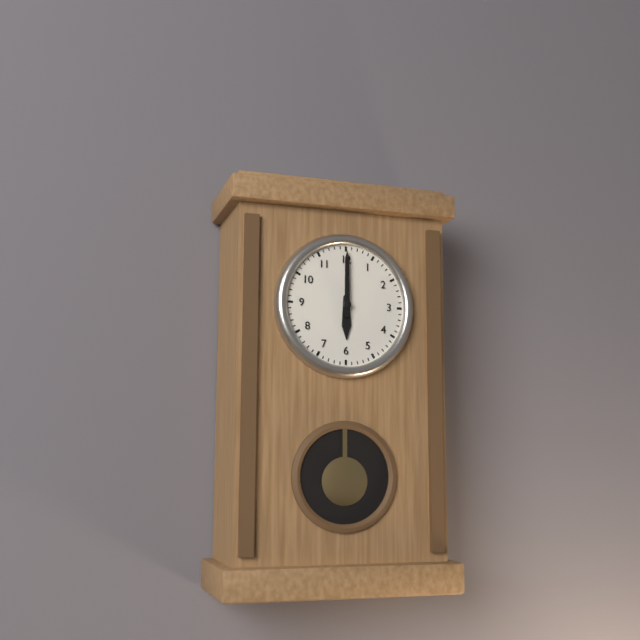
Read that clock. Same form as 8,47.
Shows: 6,00
